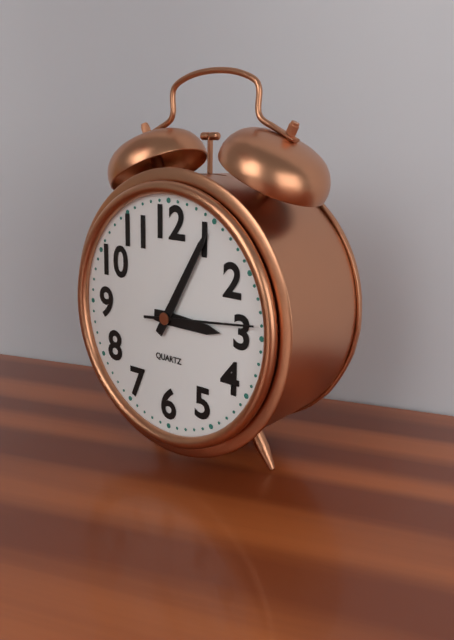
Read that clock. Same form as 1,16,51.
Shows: 3,05,14
